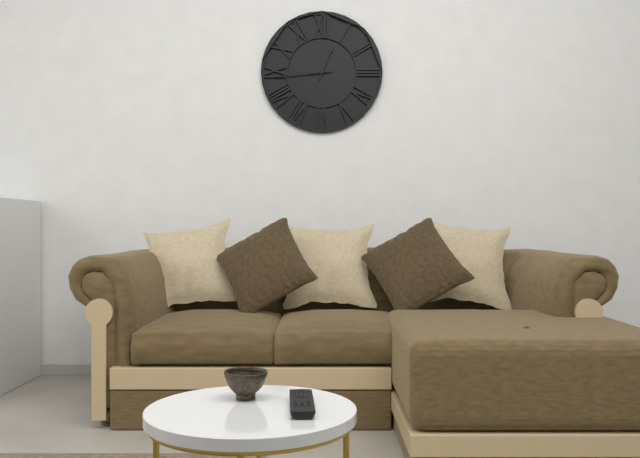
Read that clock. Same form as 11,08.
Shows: 12,44
